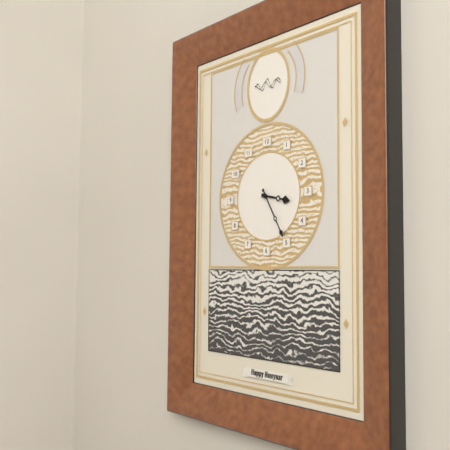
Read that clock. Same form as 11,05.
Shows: 3,25
